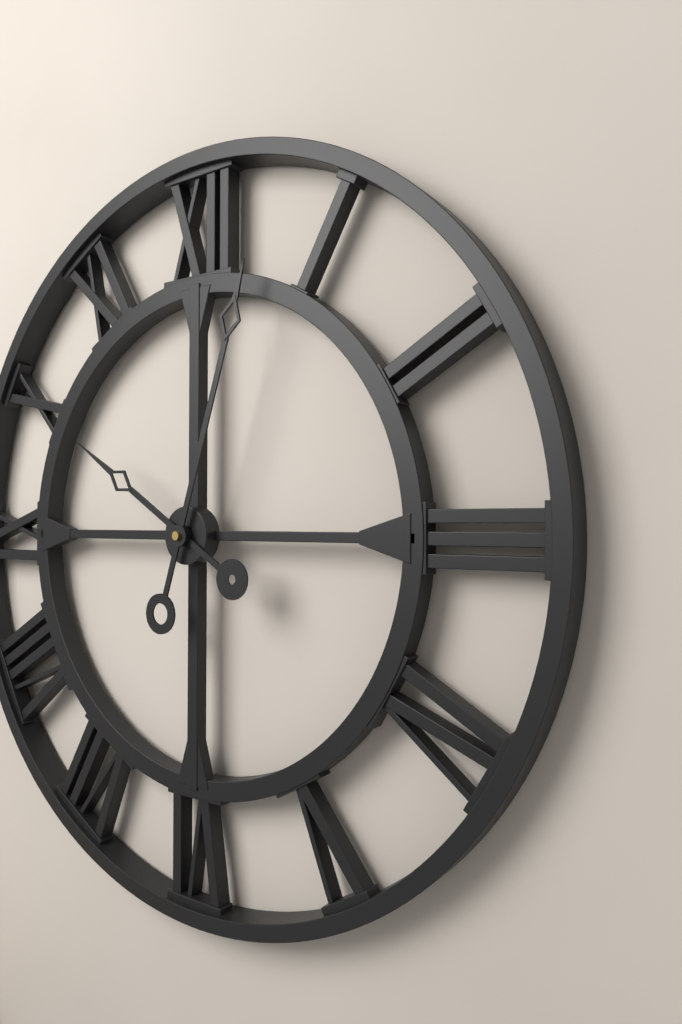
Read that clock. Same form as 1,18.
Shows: 10,03
